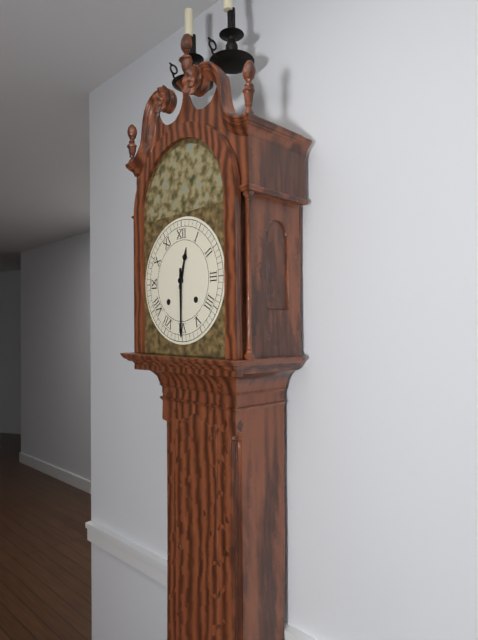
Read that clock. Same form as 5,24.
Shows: 12,30
